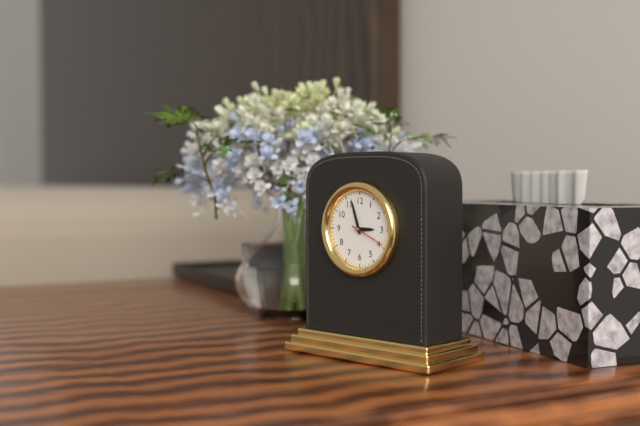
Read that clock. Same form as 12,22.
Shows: 2,57
